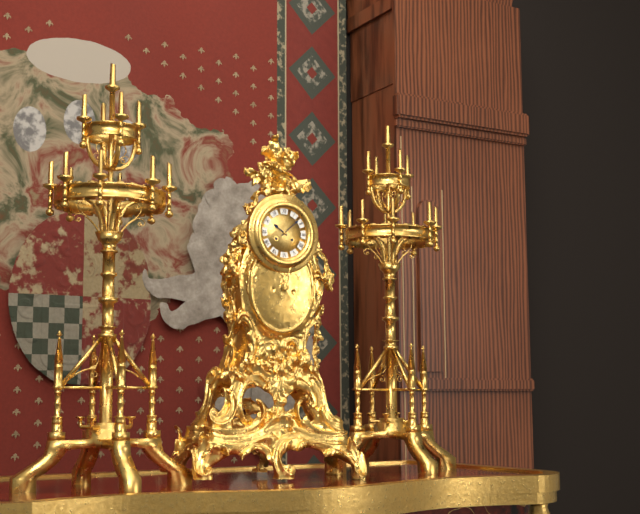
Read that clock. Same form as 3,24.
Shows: 10,08
